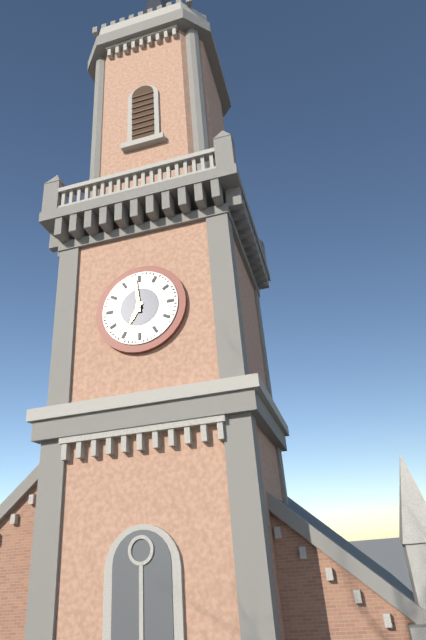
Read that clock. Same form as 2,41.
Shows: 6,59
